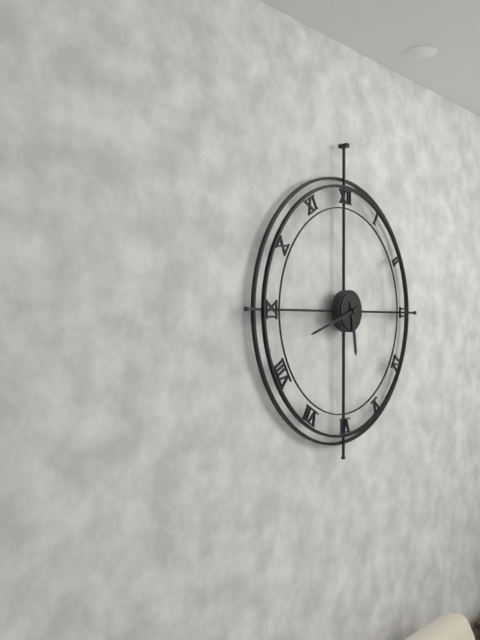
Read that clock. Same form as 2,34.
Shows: 5,42
